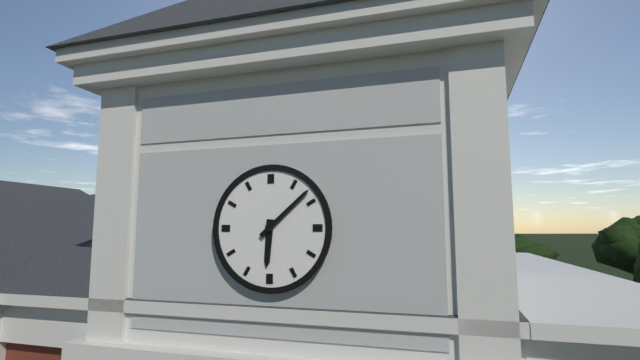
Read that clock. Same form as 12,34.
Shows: 6,08
